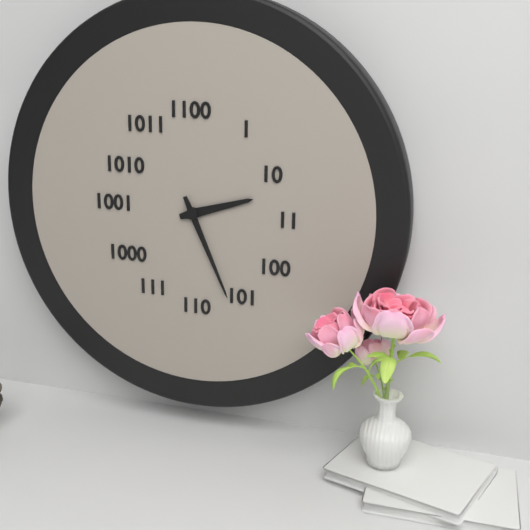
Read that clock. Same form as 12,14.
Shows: 2,26
